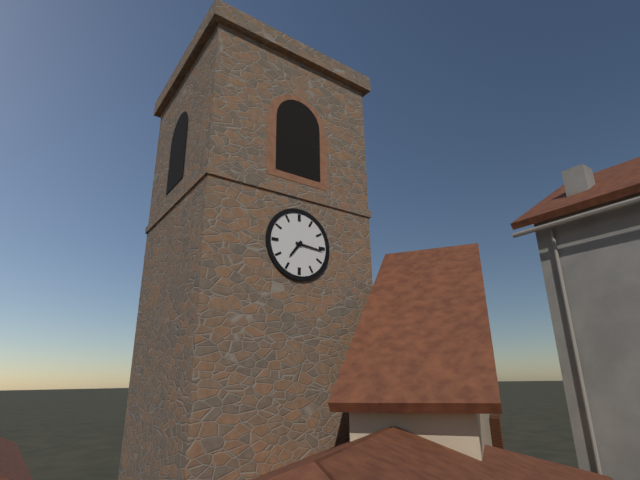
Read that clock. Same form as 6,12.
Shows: 7,16
